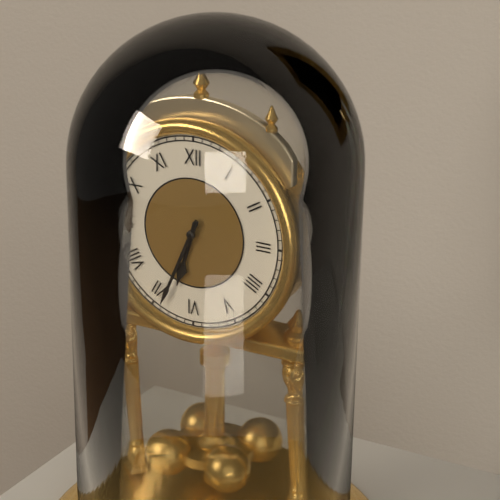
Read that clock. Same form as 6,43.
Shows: 6,34
